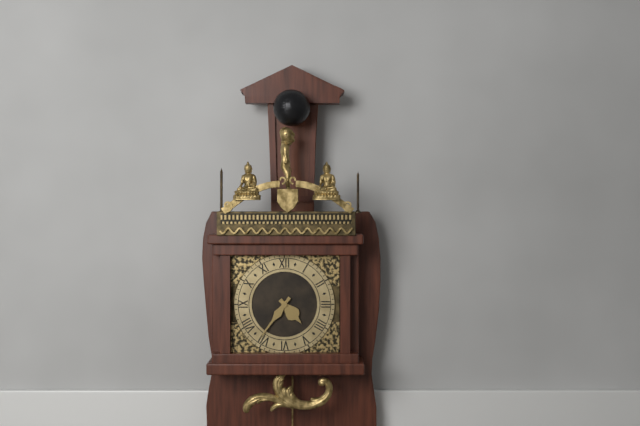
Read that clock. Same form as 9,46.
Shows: 4,36
